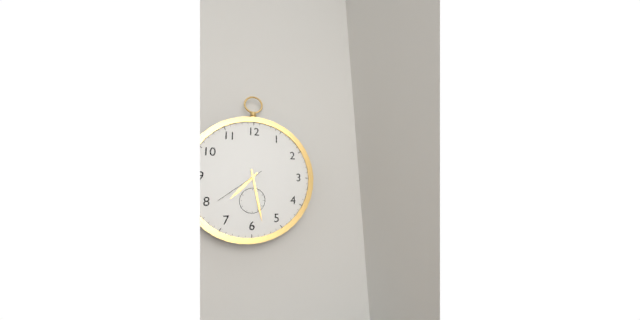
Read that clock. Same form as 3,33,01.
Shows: 7,28,39
